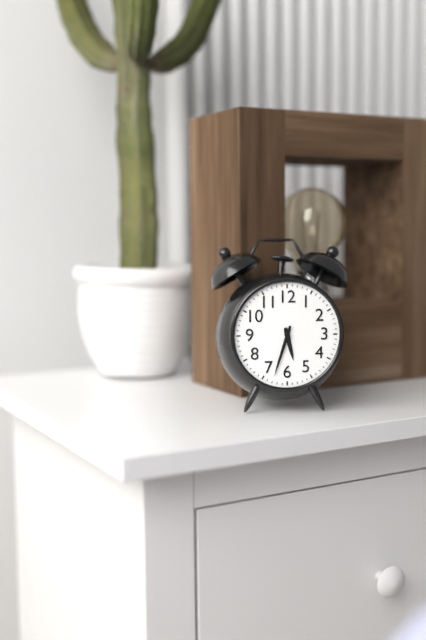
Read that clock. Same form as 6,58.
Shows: 5,33
